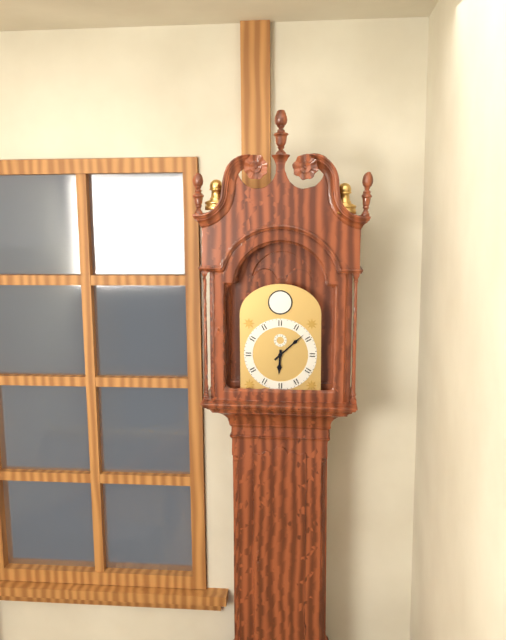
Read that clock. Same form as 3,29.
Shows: 6,08
